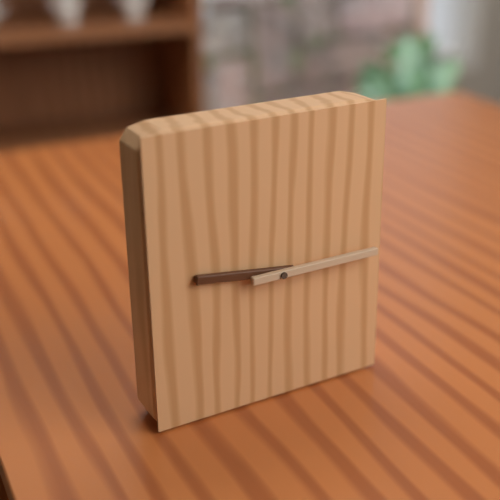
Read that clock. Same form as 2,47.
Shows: 9,15
